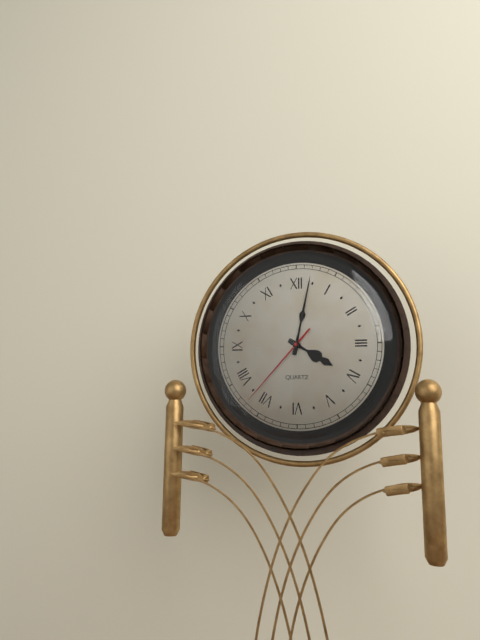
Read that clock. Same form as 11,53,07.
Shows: 4,02,37
